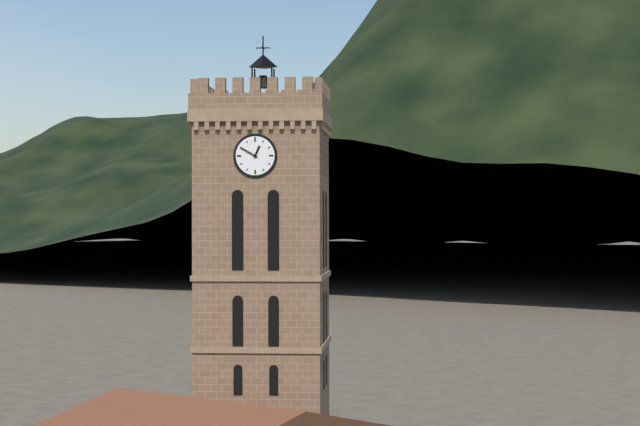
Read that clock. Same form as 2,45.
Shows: 12,50
